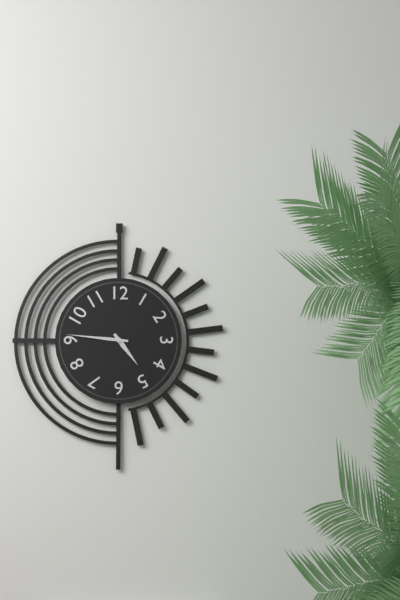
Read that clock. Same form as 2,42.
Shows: 4,46
